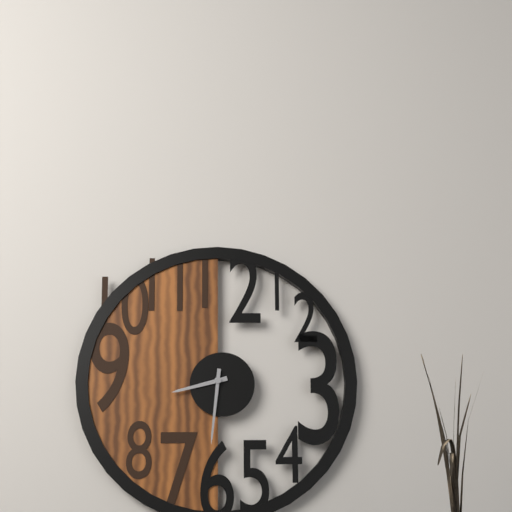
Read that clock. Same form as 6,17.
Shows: 8,31
